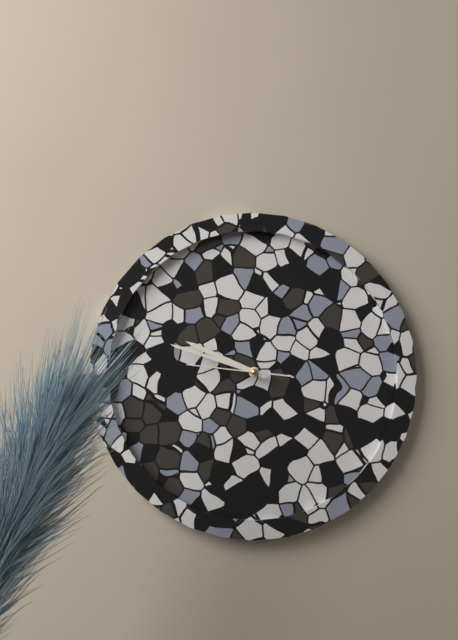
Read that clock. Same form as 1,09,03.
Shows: 9,48,46
